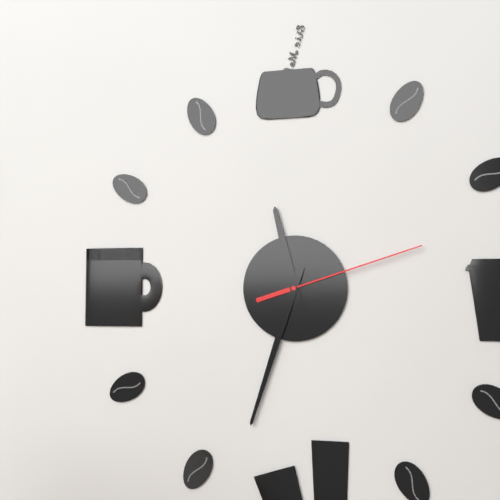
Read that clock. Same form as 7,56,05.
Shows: 11,33,12
